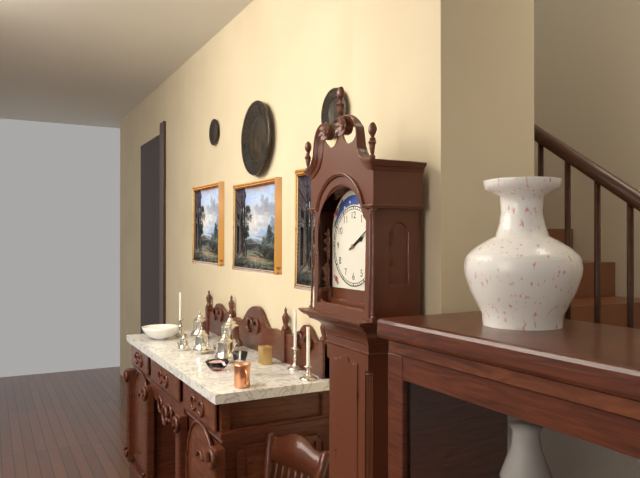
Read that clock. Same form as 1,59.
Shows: 2,10
